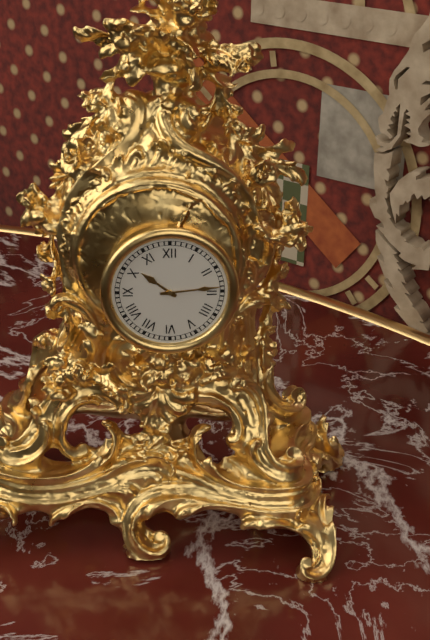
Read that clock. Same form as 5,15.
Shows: 10,14
